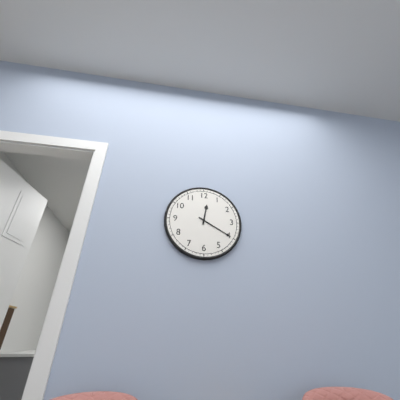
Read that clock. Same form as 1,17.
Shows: 12,20
